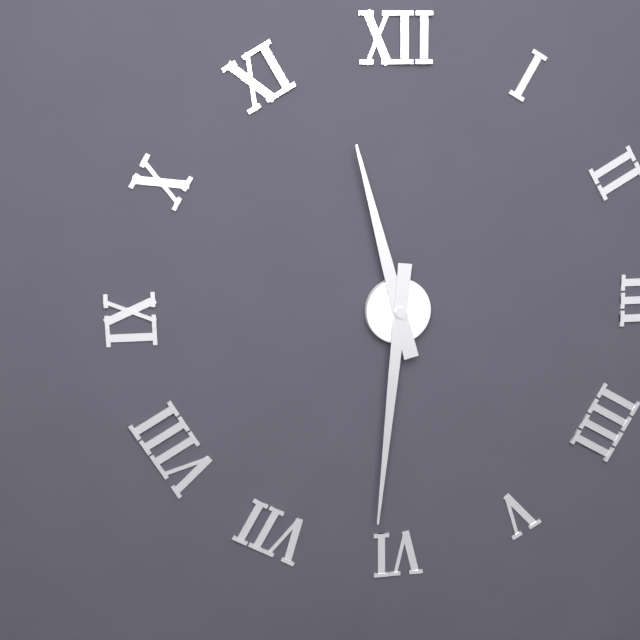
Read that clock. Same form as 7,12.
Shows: 11,31
